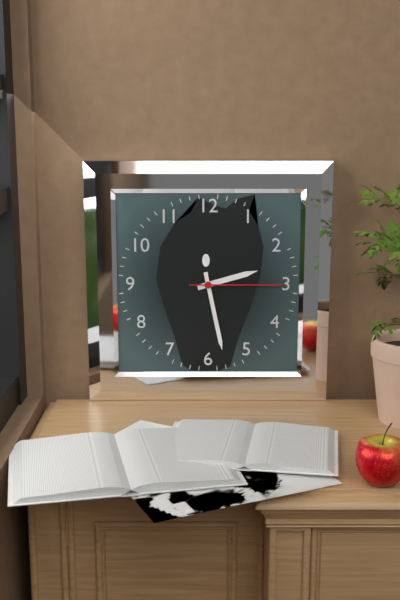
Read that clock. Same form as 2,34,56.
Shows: 2,28,15
